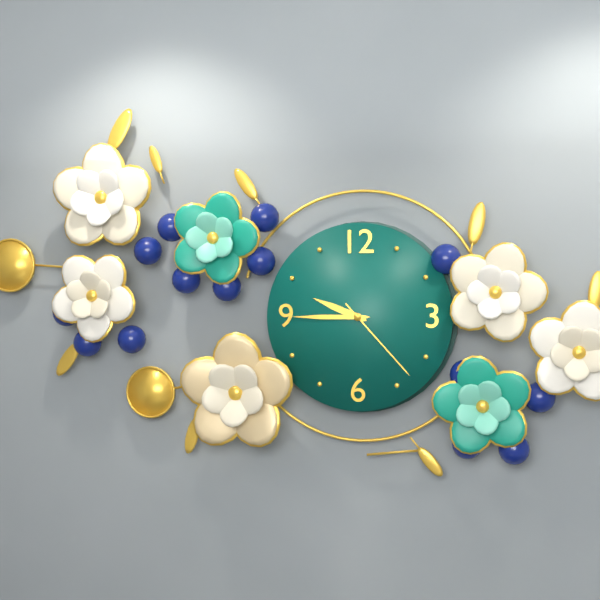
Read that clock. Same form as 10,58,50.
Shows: 9,45,23
